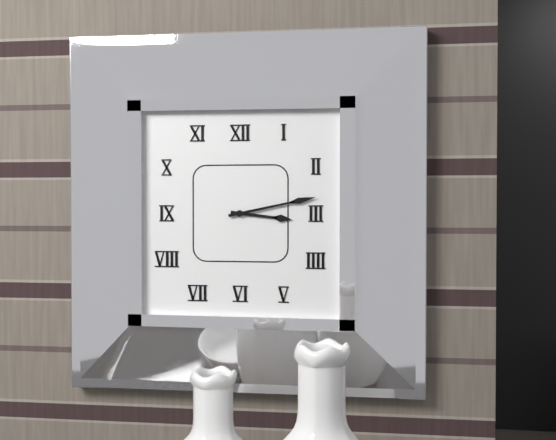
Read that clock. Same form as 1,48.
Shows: 3,13
